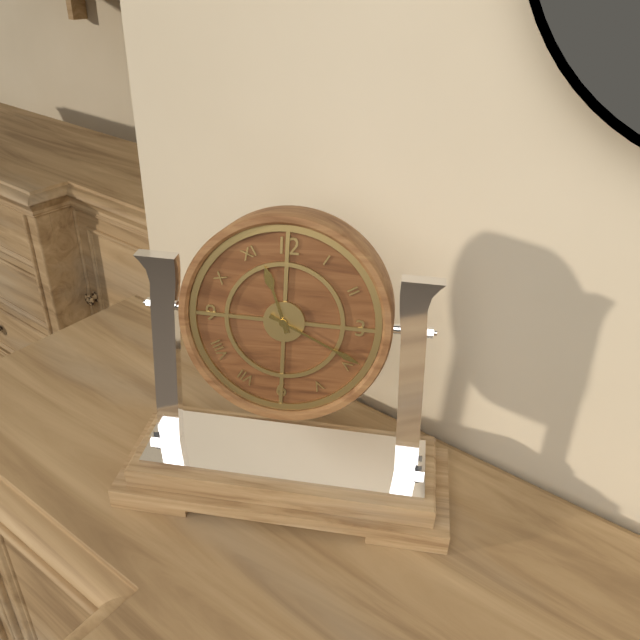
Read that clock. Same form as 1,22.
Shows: 11,19
